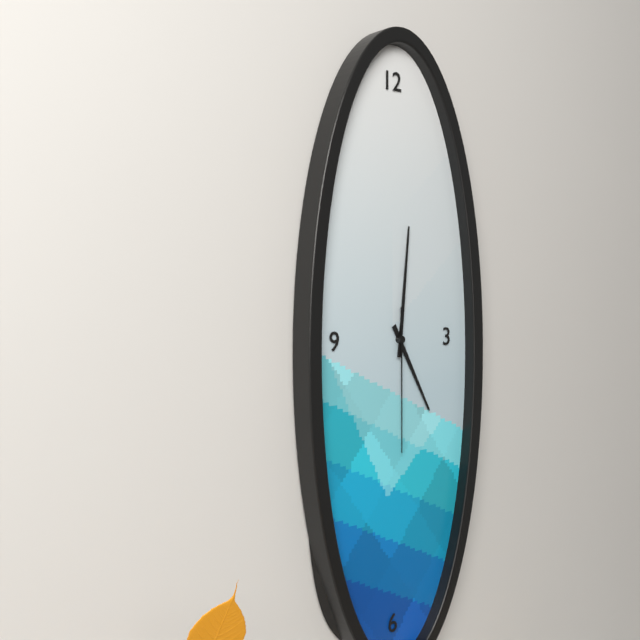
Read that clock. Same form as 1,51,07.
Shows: 5,01,30
